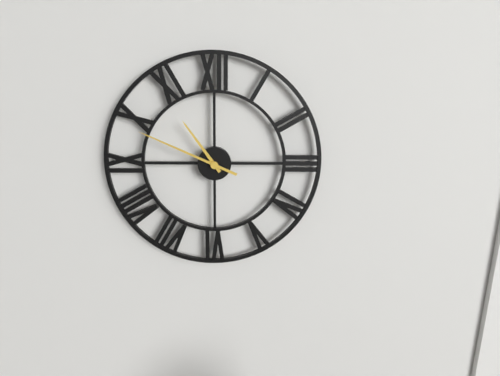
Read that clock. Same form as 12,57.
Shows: 10,49
